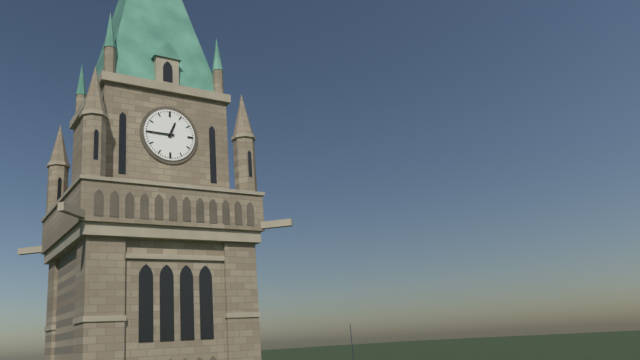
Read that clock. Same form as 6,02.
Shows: 12,45
